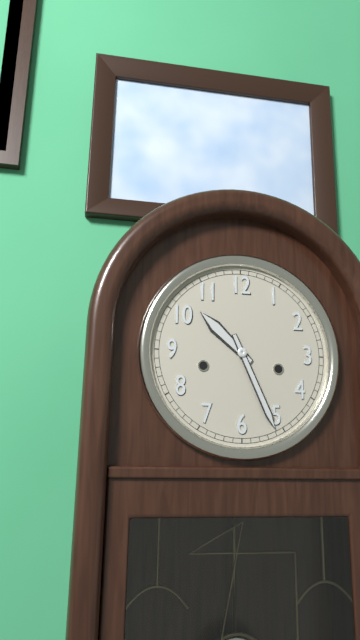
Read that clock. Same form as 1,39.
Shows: 10,26
